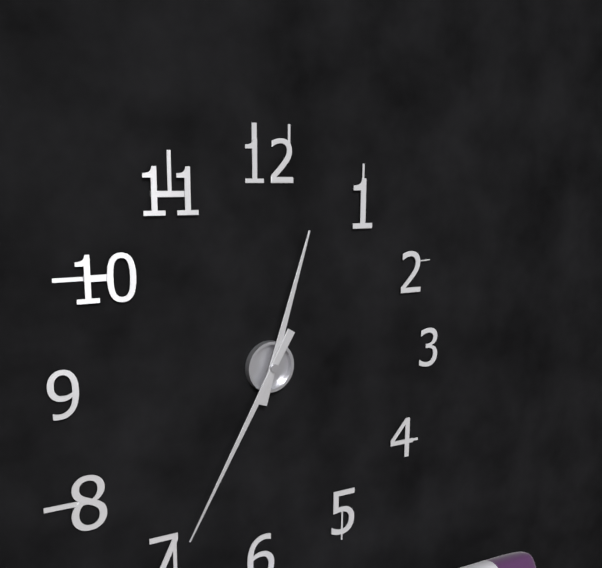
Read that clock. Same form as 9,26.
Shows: 12,35
